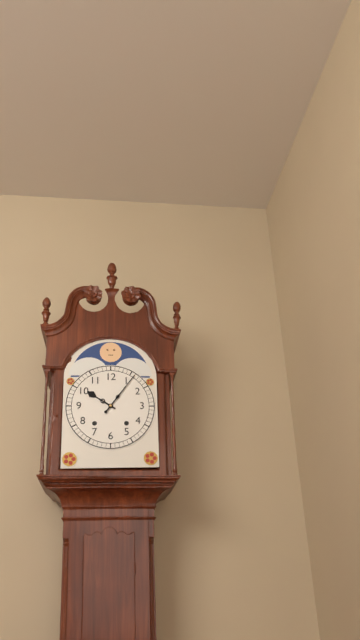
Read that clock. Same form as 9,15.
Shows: 10,06
